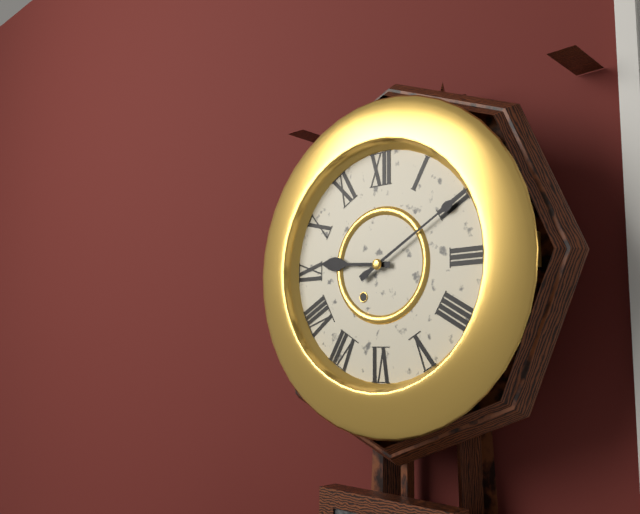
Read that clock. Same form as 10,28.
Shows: 9,10
